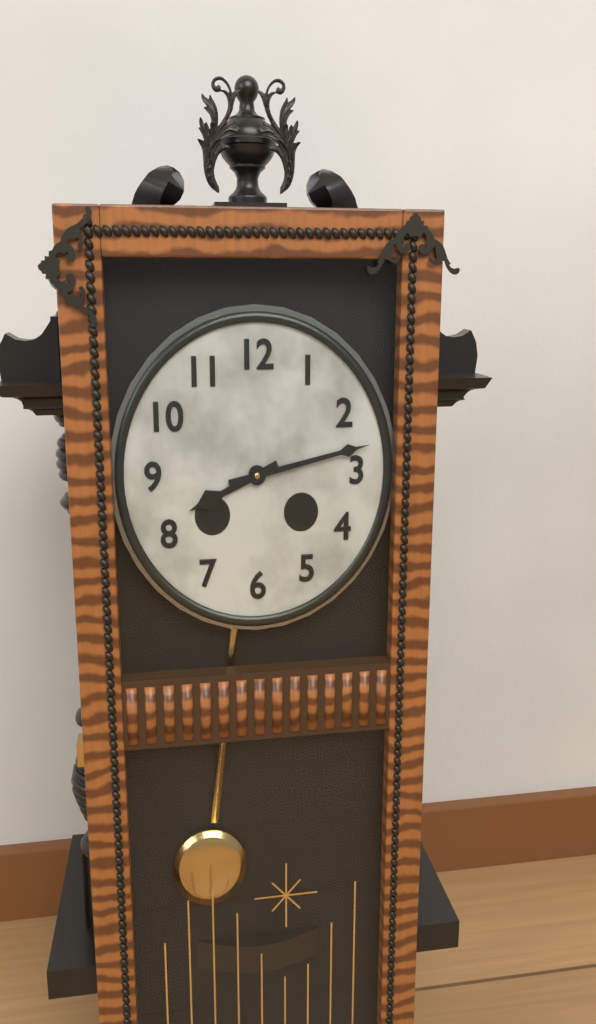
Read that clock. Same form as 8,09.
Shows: 8,13
